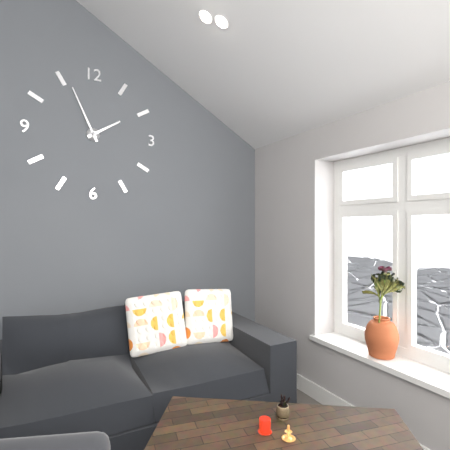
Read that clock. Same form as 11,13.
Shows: 1,56
